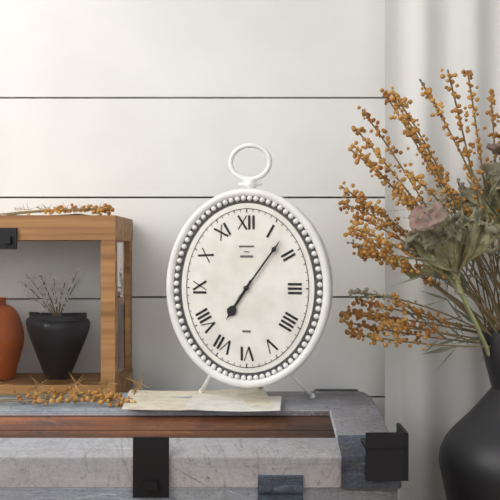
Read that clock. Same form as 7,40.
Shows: 7,06
